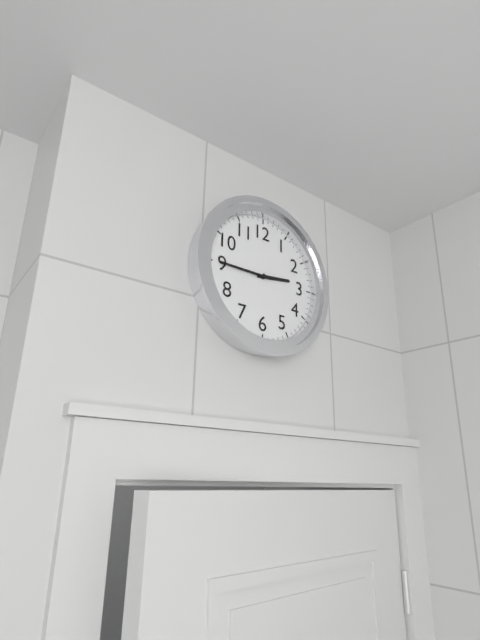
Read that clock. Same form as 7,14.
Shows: 2,45
